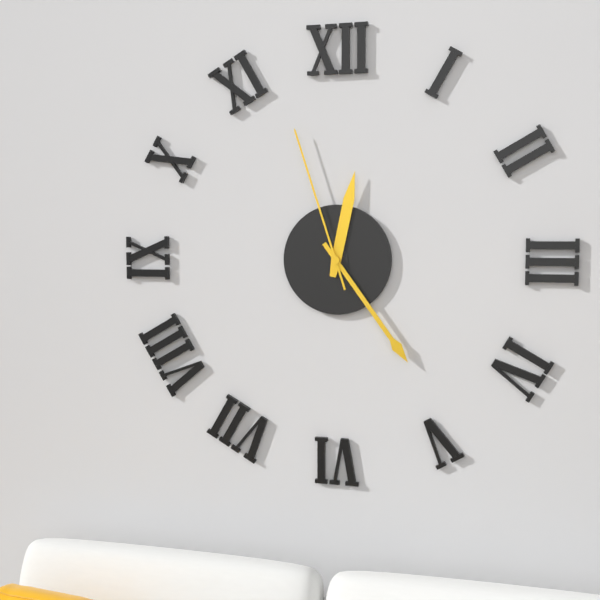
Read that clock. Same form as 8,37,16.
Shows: 12,24,57
